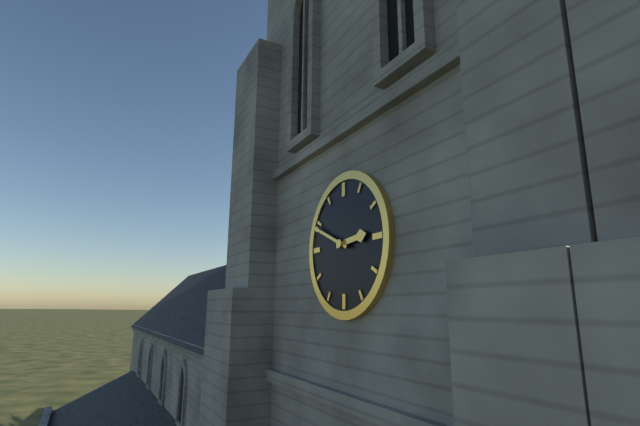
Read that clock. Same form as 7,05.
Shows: 2,49
